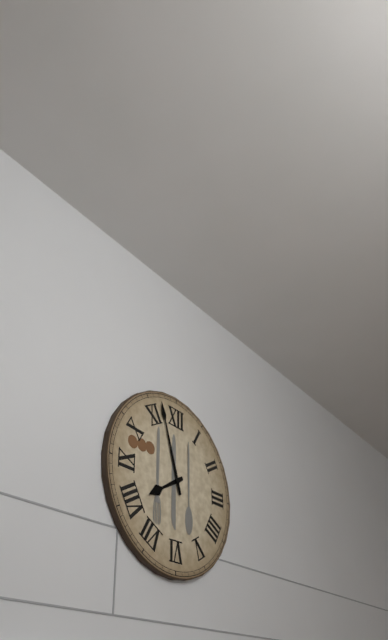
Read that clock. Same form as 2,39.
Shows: 7,57
